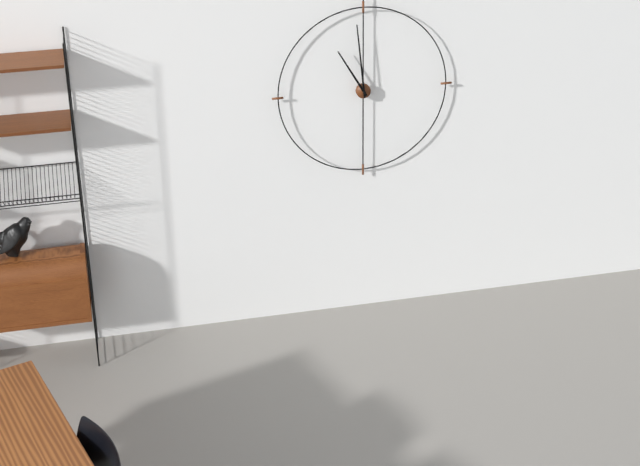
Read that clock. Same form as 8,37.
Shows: 10,59
